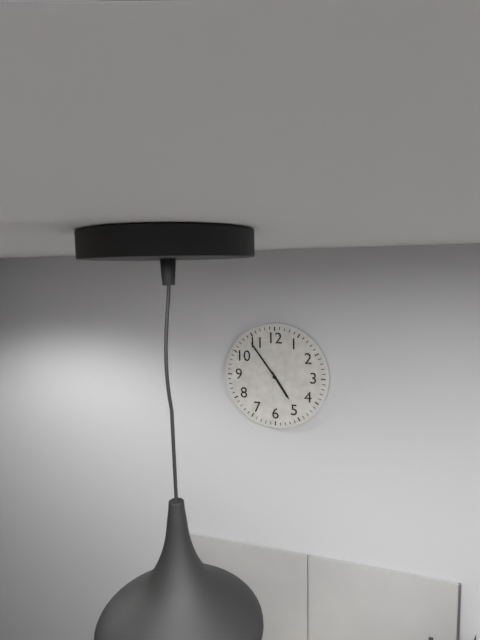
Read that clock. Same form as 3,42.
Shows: 4,54
